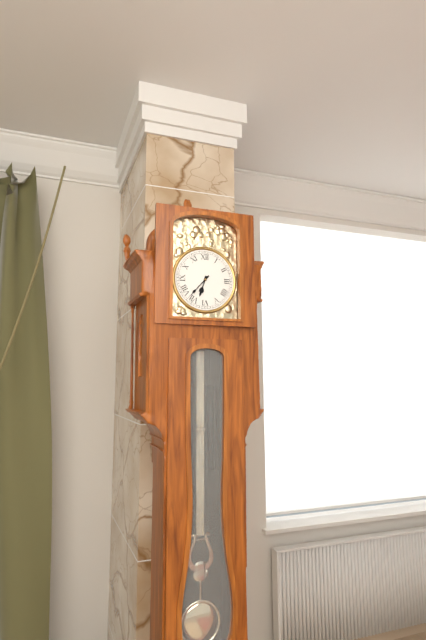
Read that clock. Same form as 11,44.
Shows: 6,37
